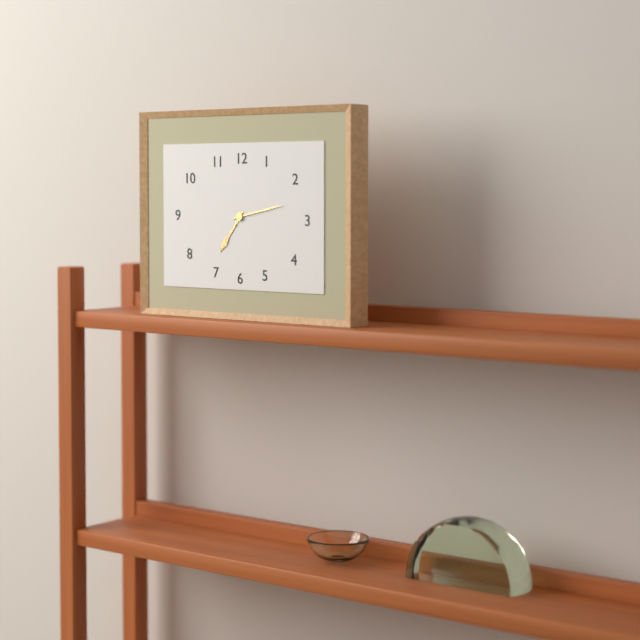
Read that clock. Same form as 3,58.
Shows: 7,13
